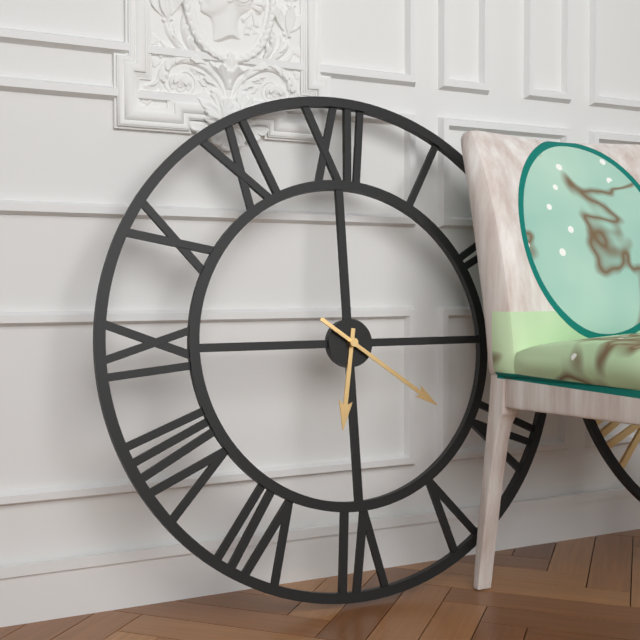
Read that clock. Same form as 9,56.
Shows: 6,21
